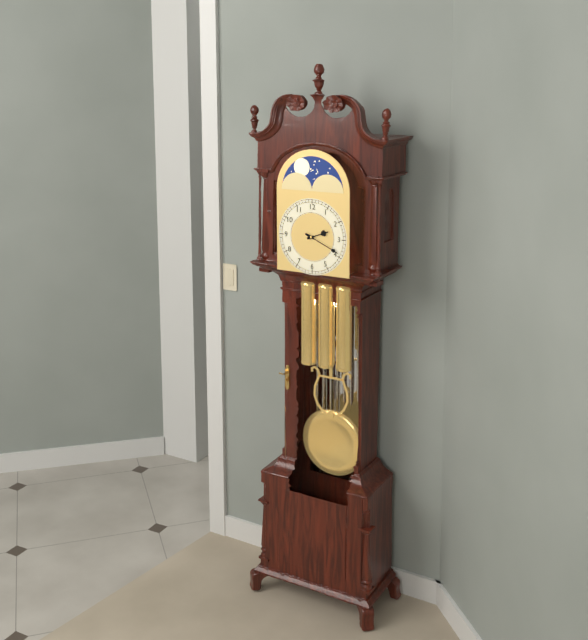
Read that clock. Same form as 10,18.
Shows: 2,19
